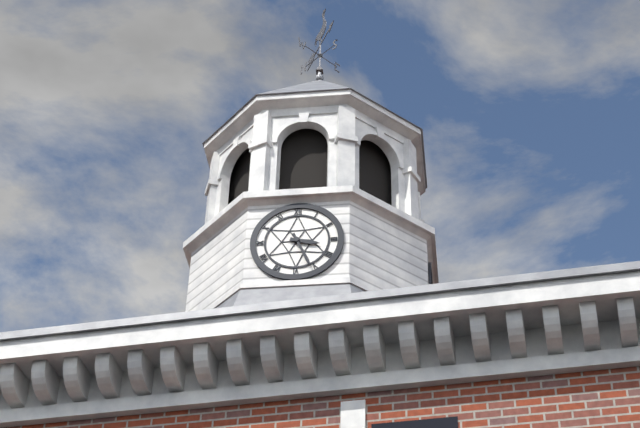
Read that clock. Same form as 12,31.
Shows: 3,26
